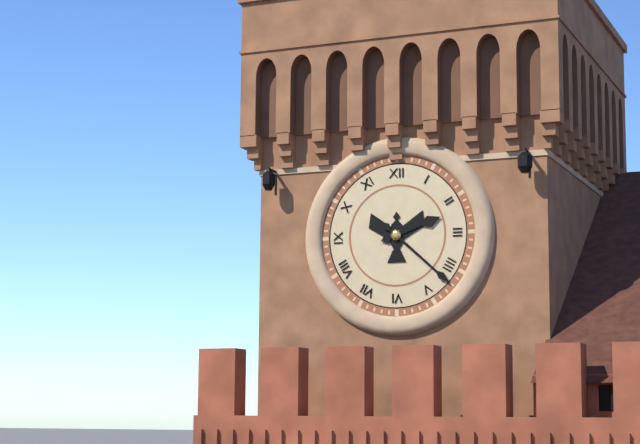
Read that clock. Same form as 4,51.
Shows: 2,22
